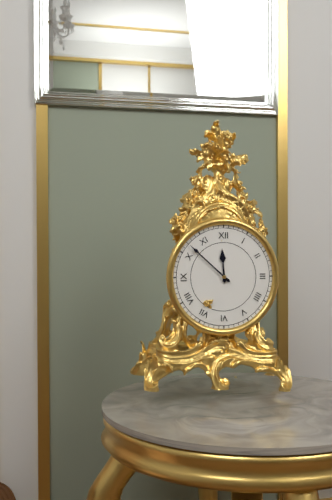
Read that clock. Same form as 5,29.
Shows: 11,52
